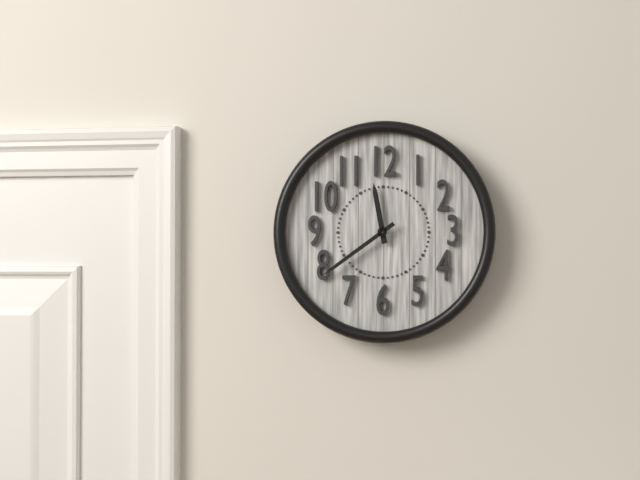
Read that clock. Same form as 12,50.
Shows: 11,39
